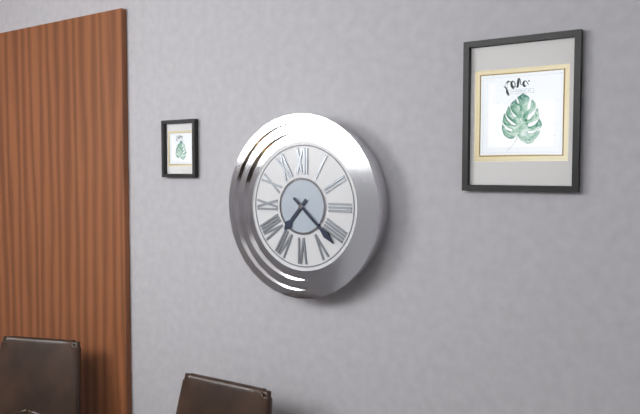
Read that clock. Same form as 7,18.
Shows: 7,22
